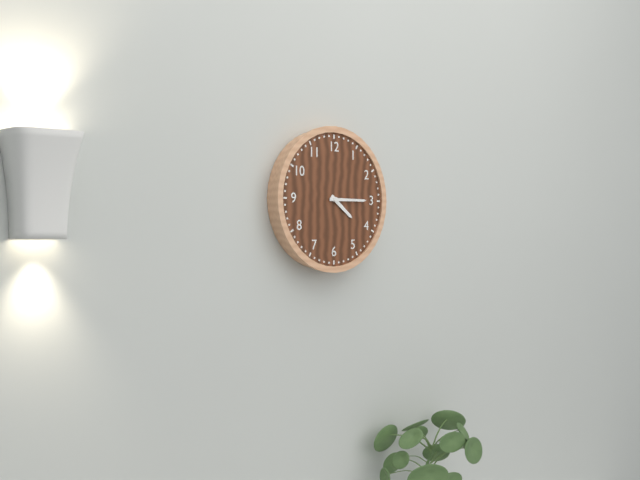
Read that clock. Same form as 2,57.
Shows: 4,15
